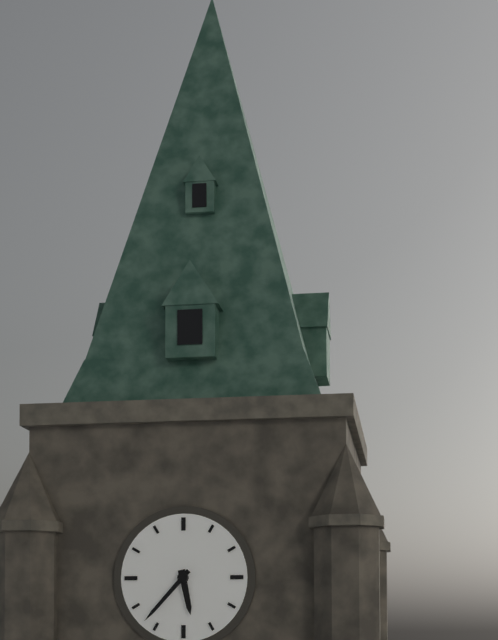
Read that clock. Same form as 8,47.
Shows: 5,37
